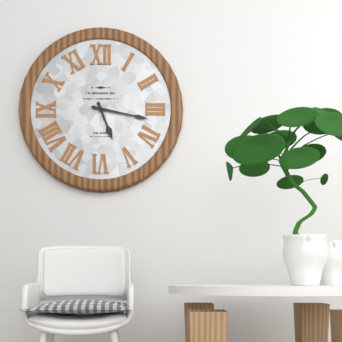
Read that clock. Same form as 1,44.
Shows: 5,17
